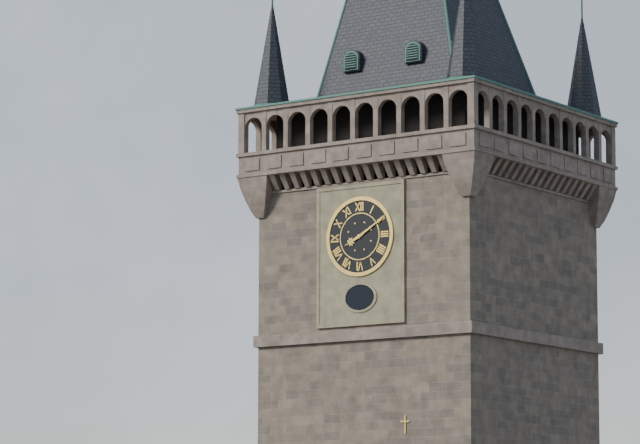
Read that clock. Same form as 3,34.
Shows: 8,10
